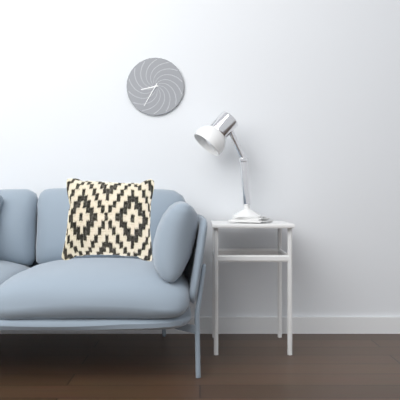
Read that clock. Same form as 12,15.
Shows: 8,35
